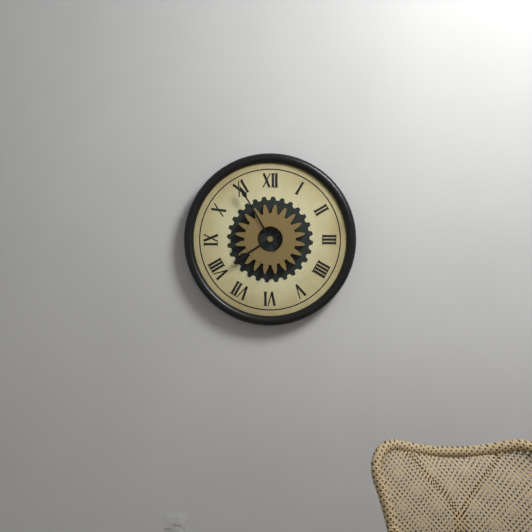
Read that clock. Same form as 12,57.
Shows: 7,55
